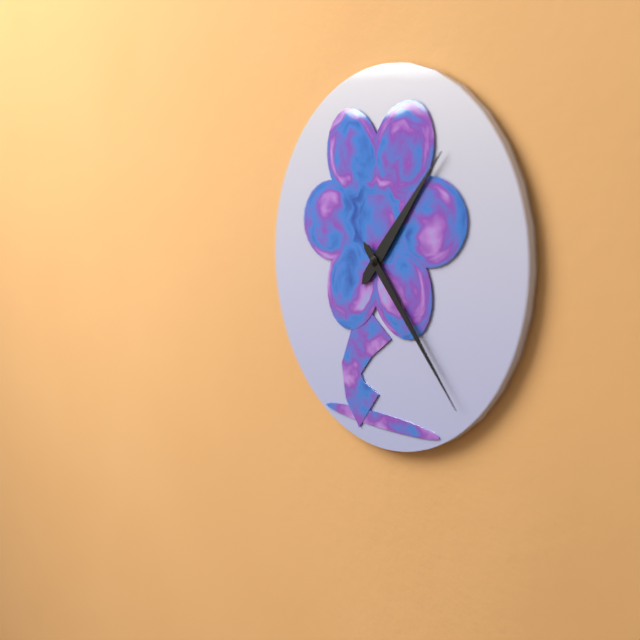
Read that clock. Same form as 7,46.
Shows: 1,23
